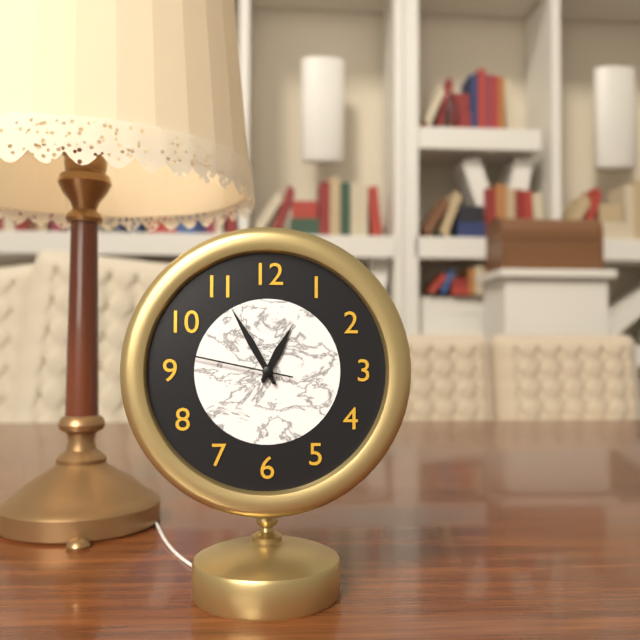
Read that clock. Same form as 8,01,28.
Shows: 12,55,47
